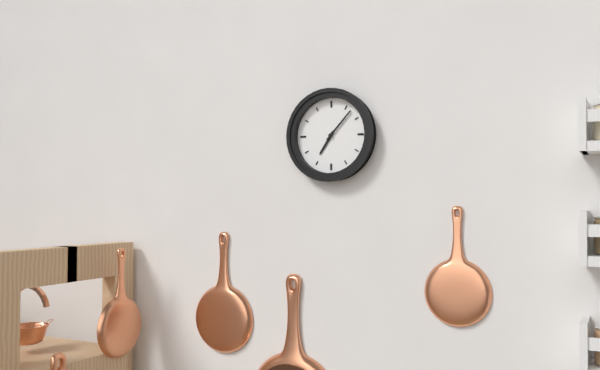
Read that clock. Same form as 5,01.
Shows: 7,07
